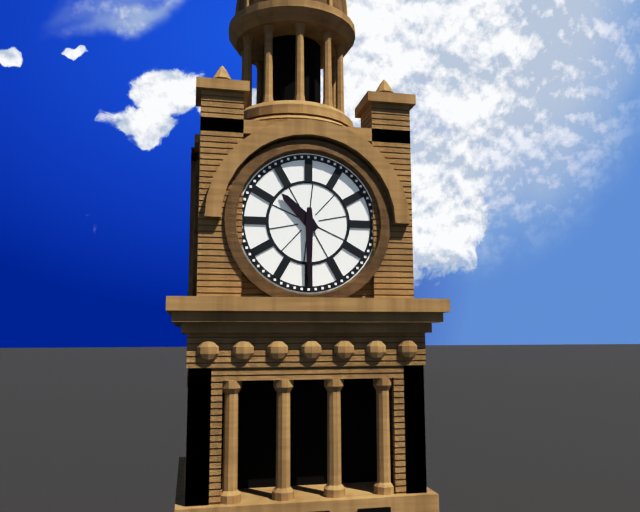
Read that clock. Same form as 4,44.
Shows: 10,30
